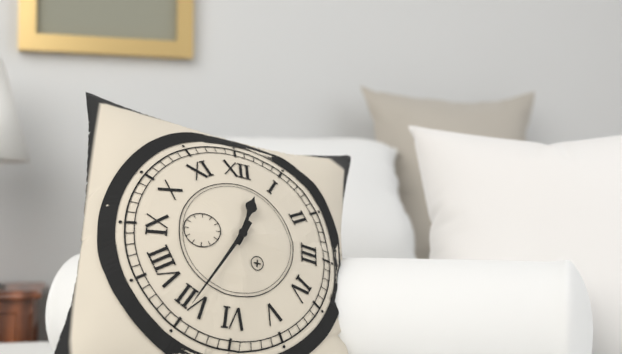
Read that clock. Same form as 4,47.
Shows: 12,35
